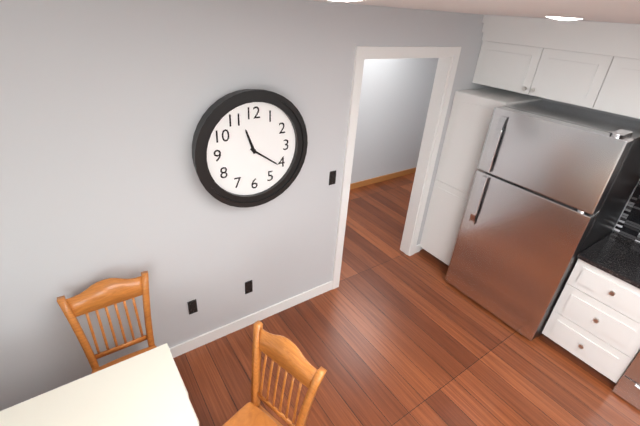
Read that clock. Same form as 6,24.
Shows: 11,21
